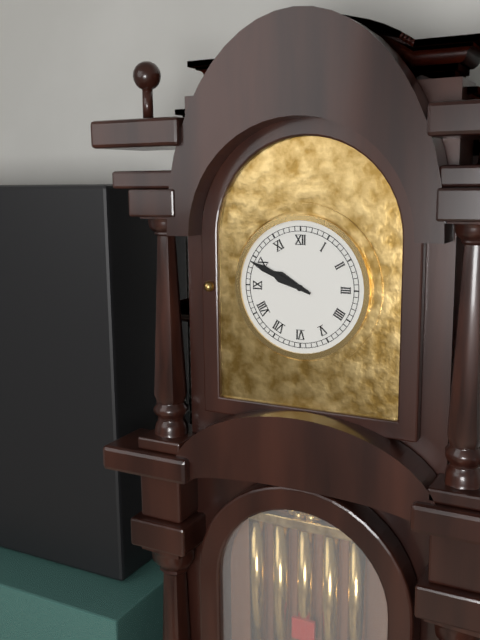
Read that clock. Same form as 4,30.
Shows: 9,49
